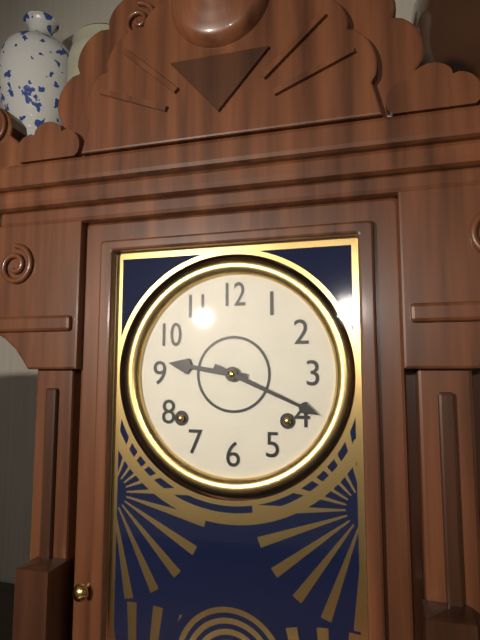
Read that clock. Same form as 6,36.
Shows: 9,19
